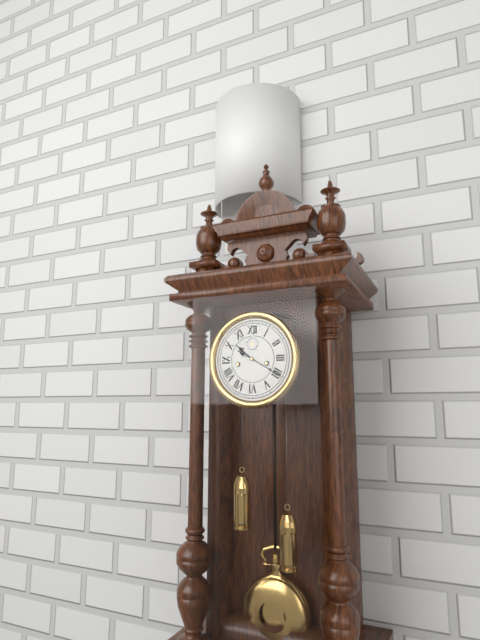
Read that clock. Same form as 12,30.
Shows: 10,20
